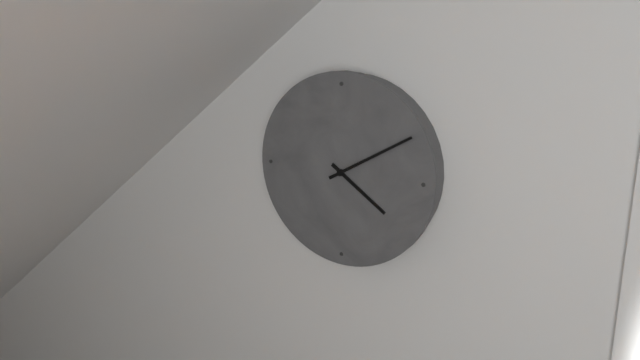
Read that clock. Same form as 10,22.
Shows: 4,10
